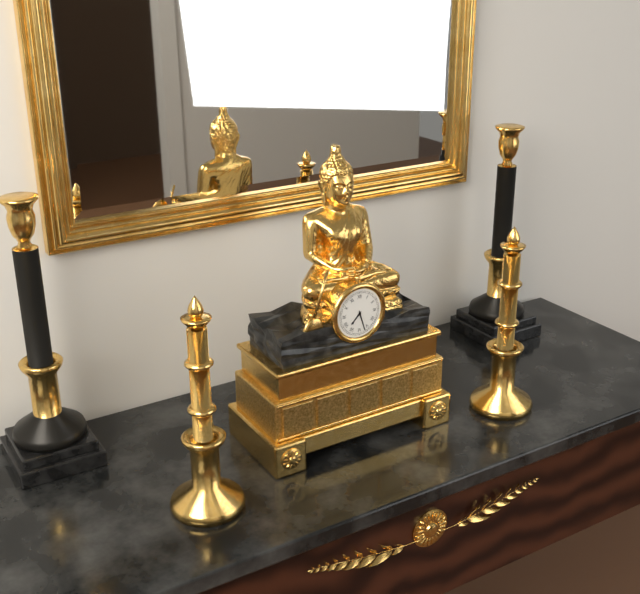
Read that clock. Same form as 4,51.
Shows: 7,27
